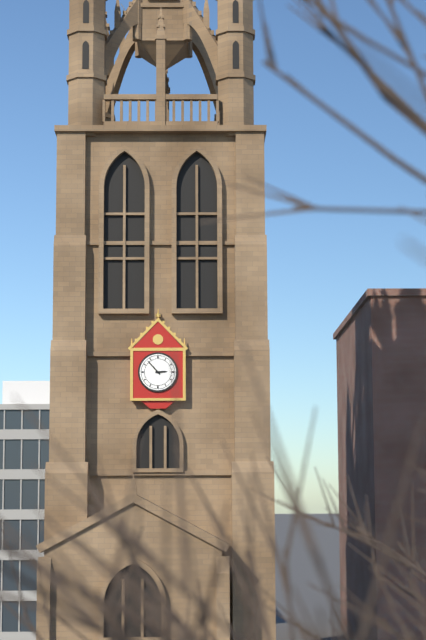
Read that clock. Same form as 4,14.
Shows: 2,53
